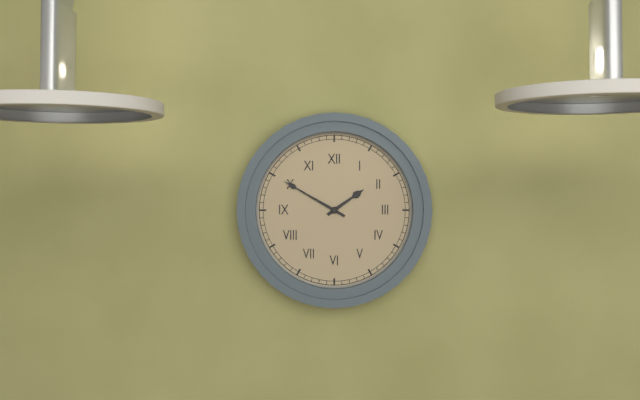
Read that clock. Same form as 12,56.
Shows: 1,50
